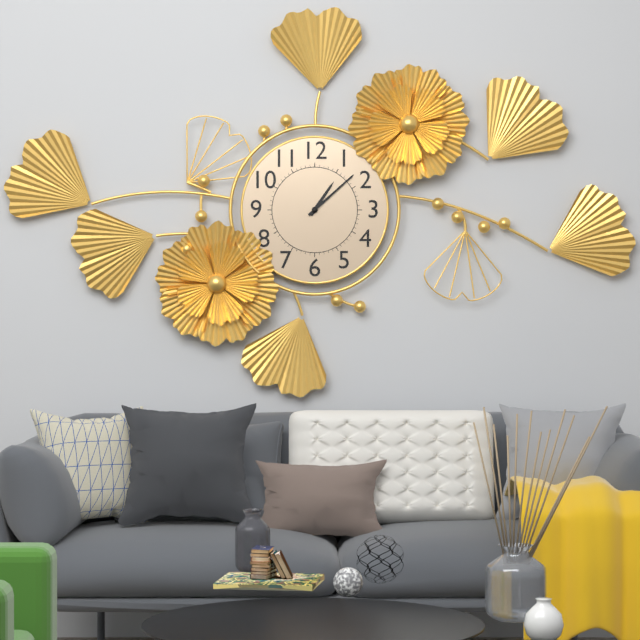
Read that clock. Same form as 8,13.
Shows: 1,08
